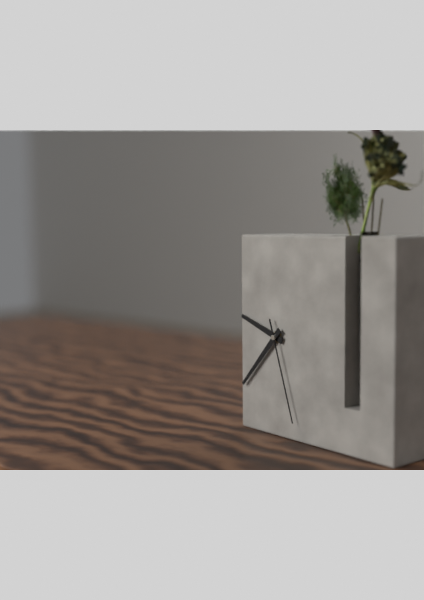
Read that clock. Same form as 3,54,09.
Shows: 9,37,27
